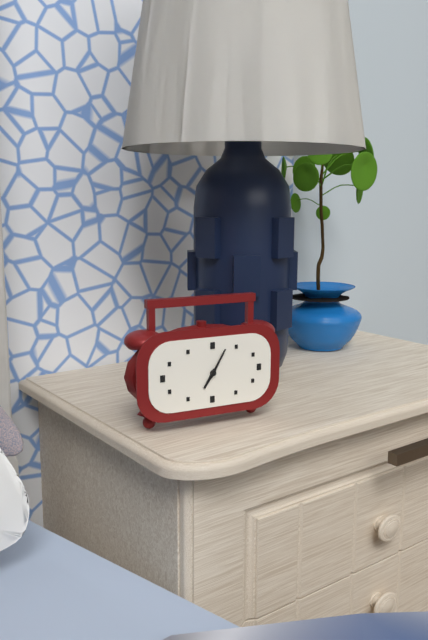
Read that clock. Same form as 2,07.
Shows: 7,05
